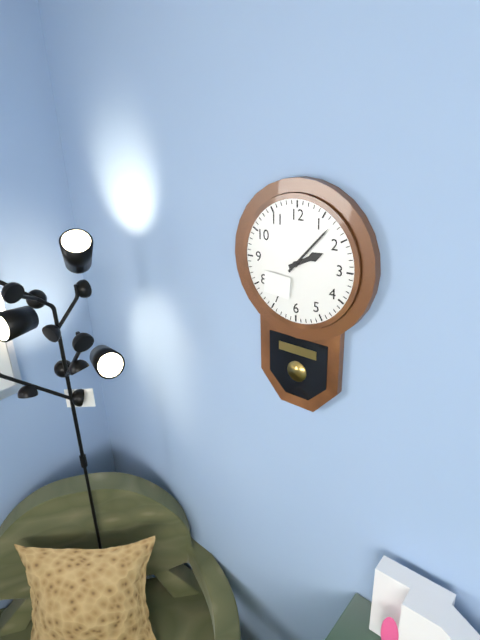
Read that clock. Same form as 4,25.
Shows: 2,07
